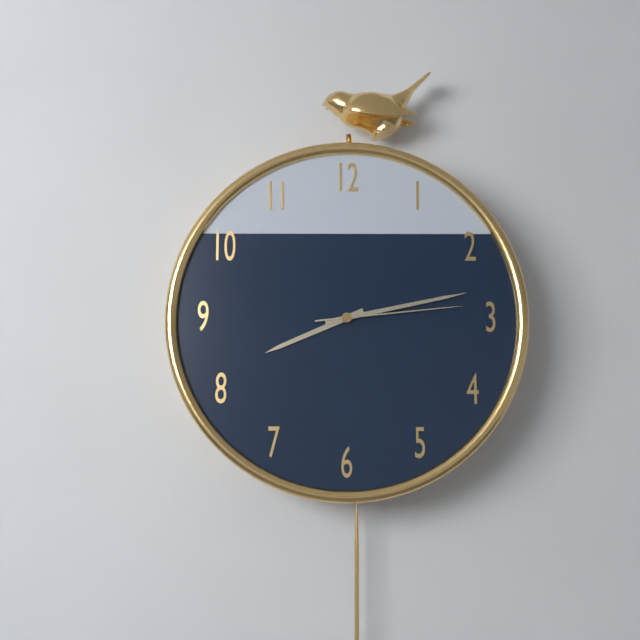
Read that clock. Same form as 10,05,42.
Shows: 8,13,14
